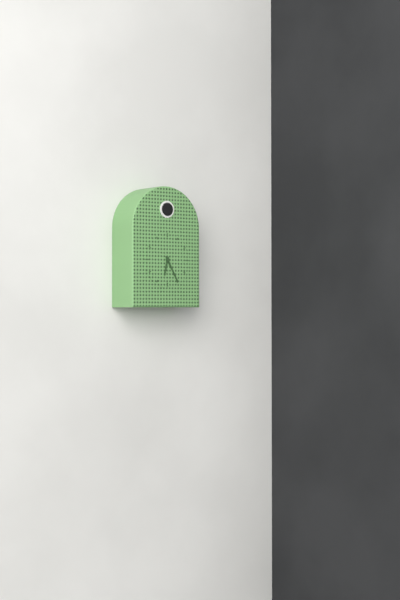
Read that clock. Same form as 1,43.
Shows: 6,25
